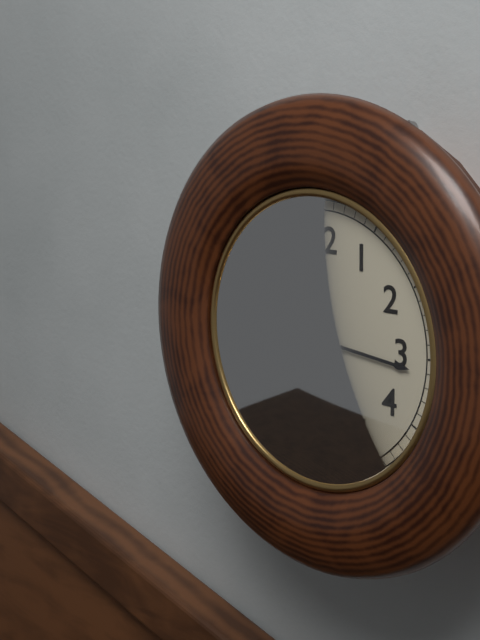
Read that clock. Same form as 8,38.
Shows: 11,16
